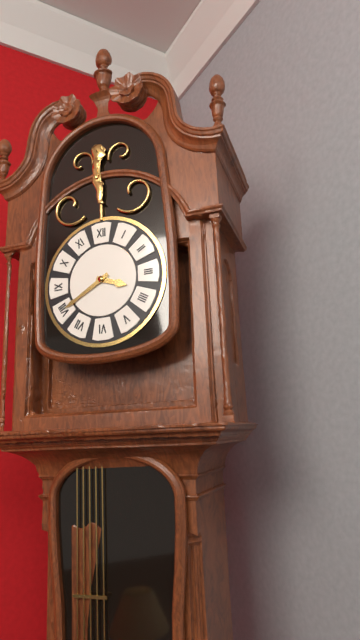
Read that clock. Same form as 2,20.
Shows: 3,40
